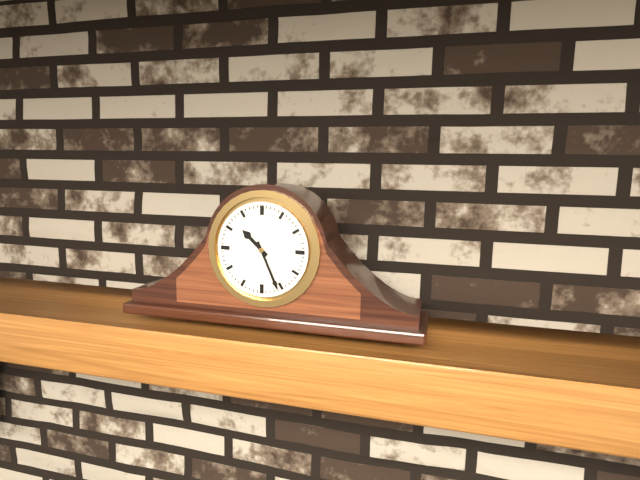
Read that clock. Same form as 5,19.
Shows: 10,26
